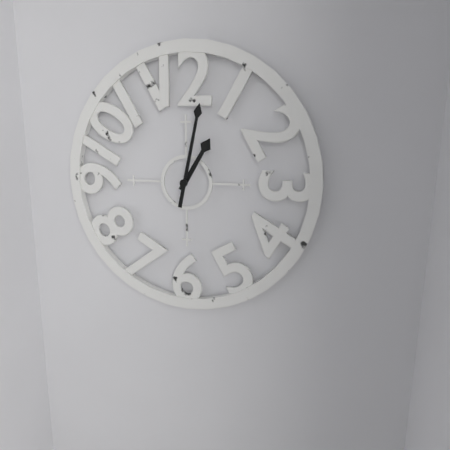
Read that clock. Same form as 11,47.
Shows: 1,02
